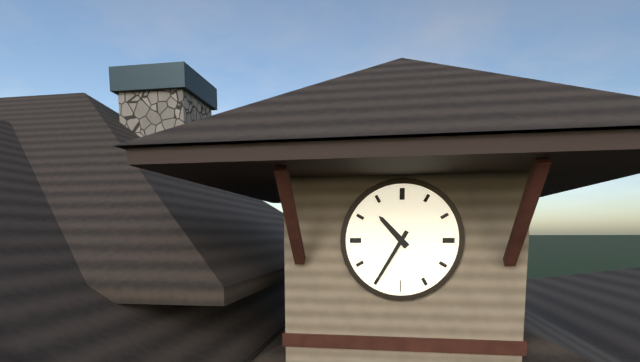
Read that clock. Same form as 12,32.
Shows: 10,35
